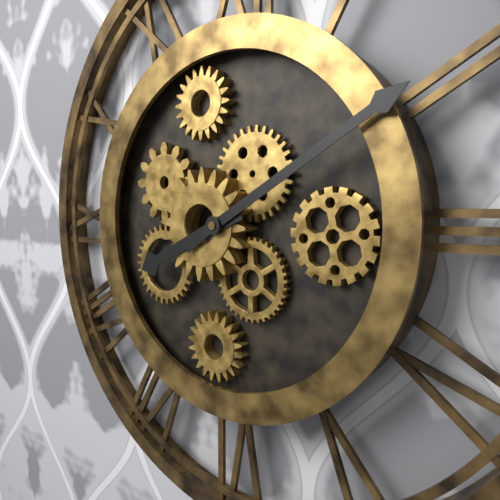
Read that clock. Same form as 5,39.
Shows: 8,10
